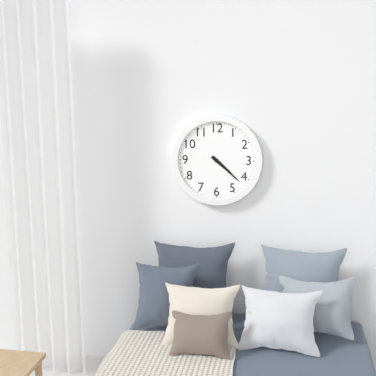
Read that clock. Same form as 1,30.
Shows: 4,22
